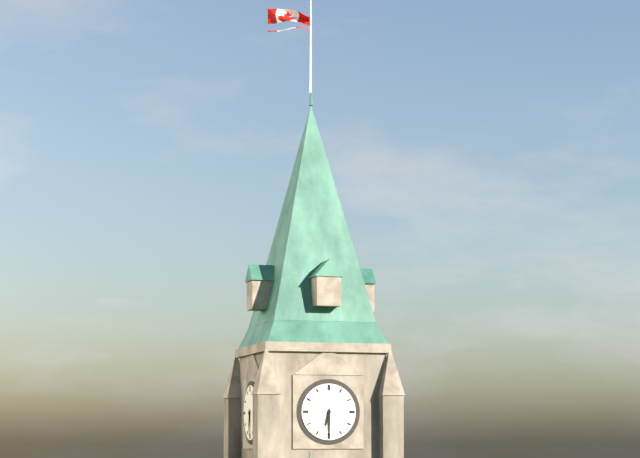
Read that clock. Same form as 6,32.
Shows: 6,30
